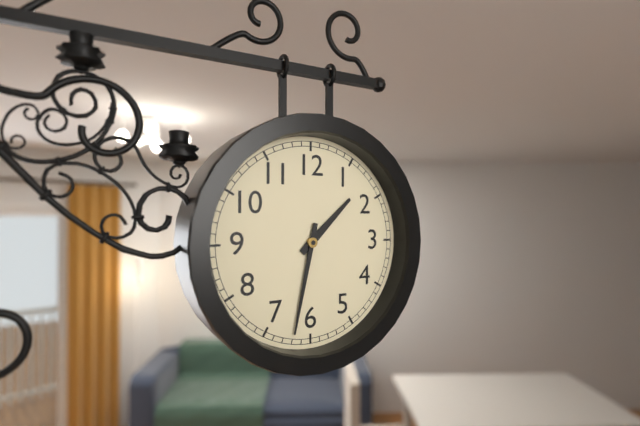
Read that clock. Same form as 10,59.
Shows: 1,32
